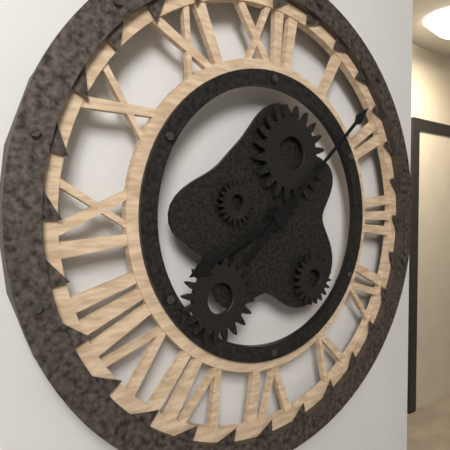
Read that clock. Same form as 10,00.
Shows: 8,08
